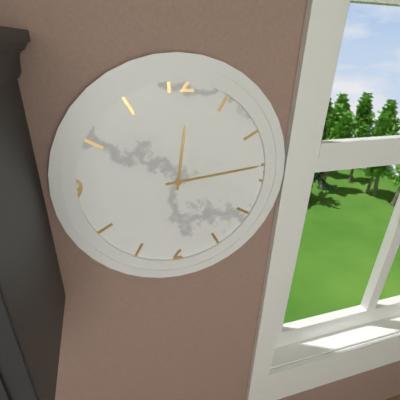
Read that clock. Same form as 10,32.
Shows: 12,14
